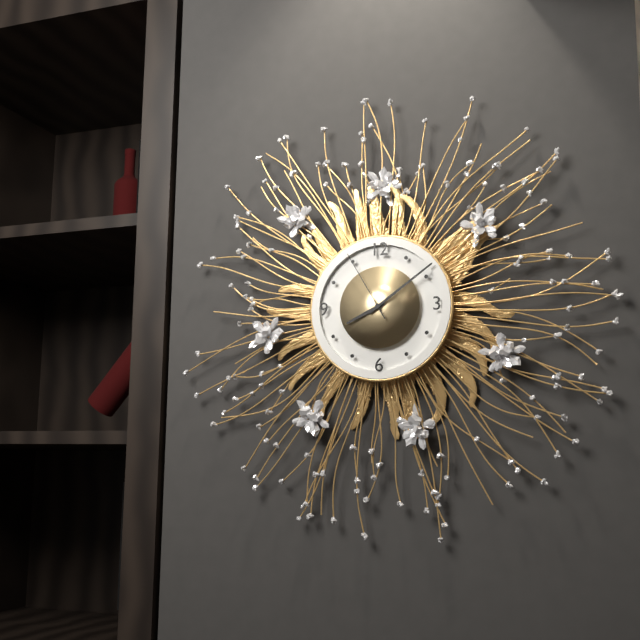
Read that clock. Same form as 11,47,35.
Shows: 8,09,55
